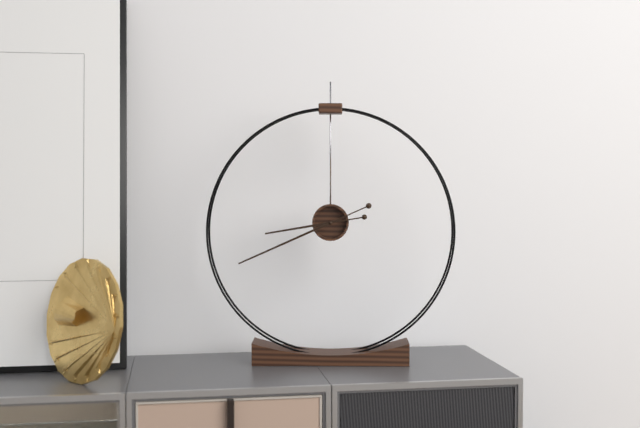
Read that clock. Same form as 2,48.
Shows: 8,41
